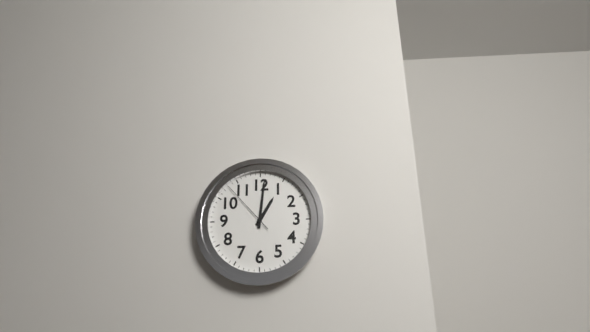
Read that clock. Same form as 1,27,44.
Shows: 1,01,53
